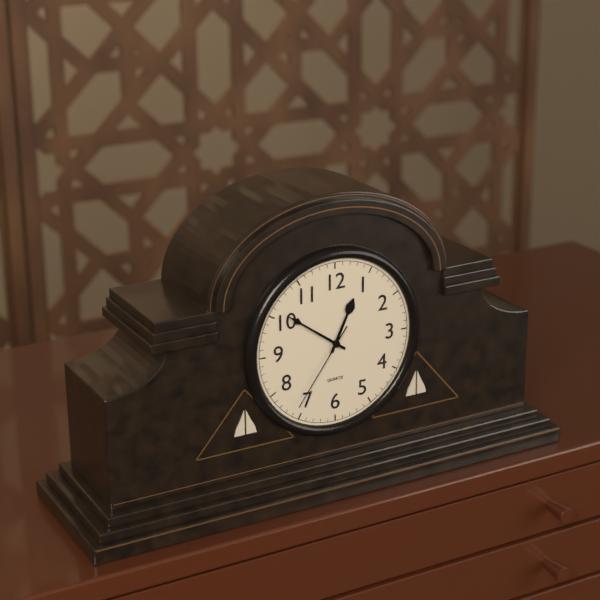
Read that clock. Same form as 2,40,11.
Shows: 12,51,36
